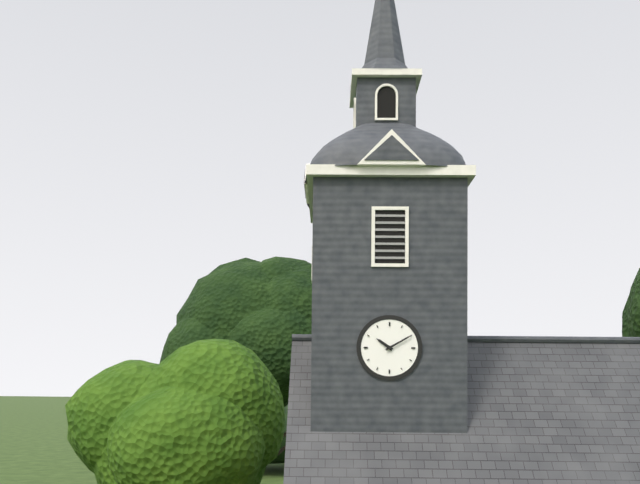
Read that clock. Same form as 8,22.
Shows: 10,10
